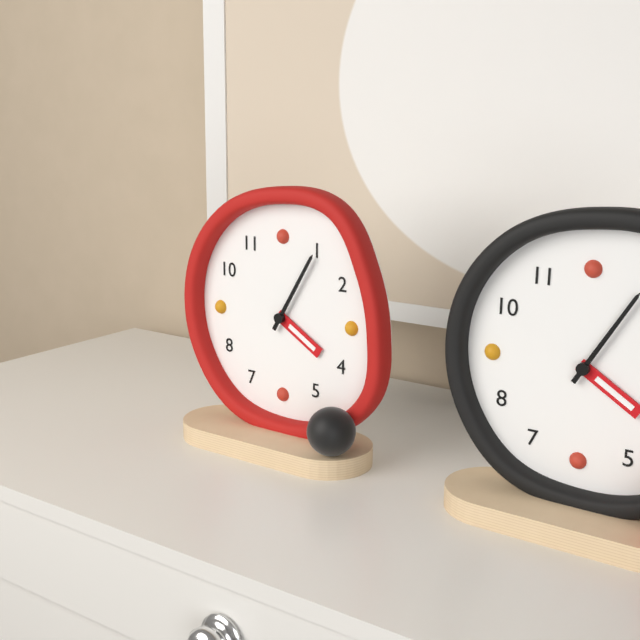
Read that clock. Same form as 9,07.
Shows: 4,05
